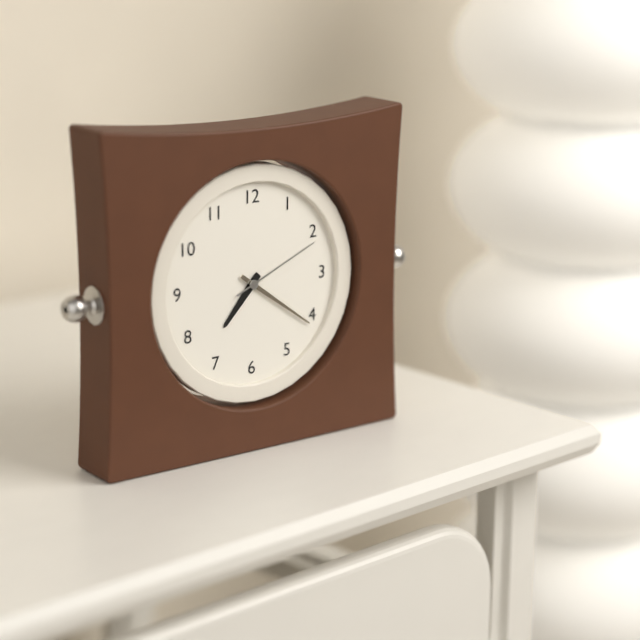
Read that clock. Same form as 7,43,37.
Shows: 7,21,11
